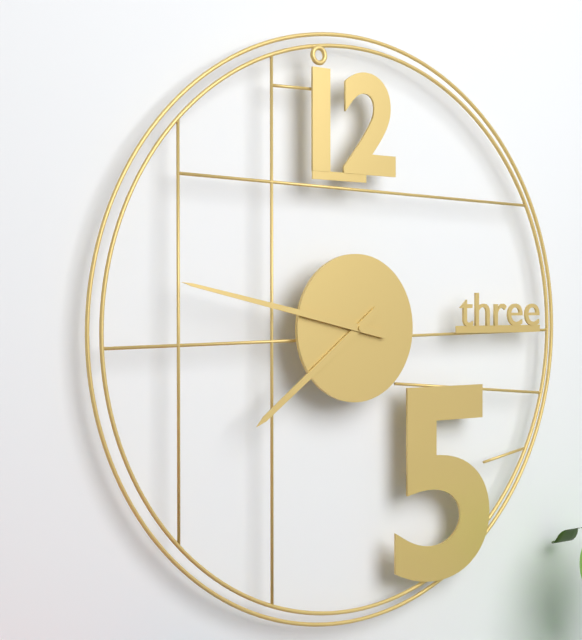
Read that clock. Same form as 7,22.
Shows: 7,47
